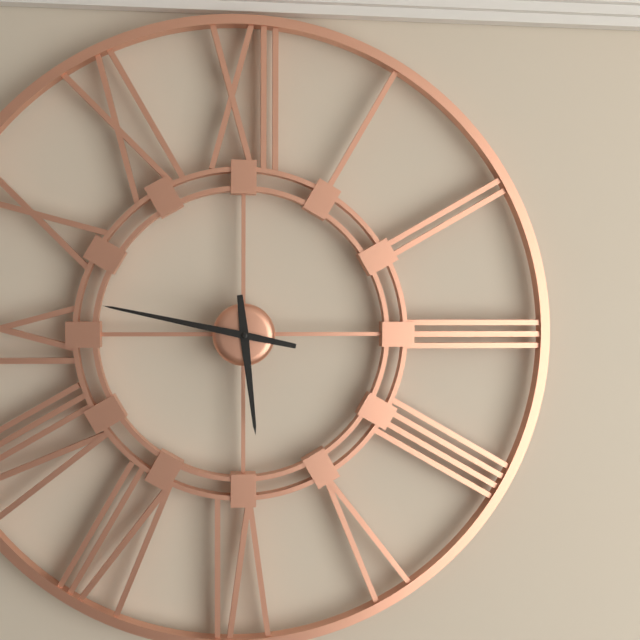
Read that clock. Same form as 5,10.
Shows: 5,47
